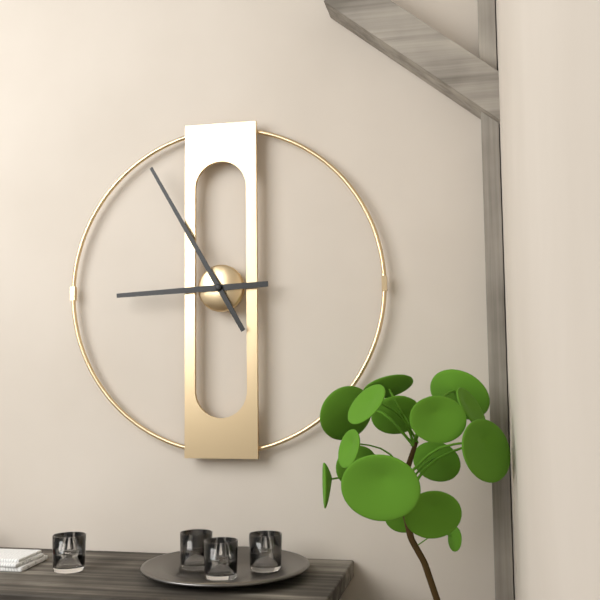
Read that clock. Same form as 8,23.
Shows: 8,55
